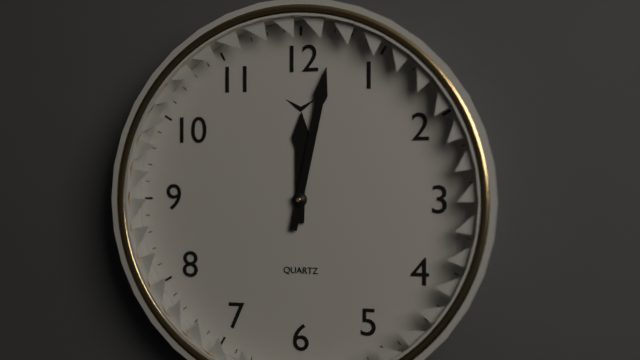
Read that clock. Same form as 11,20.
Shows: 12,02
